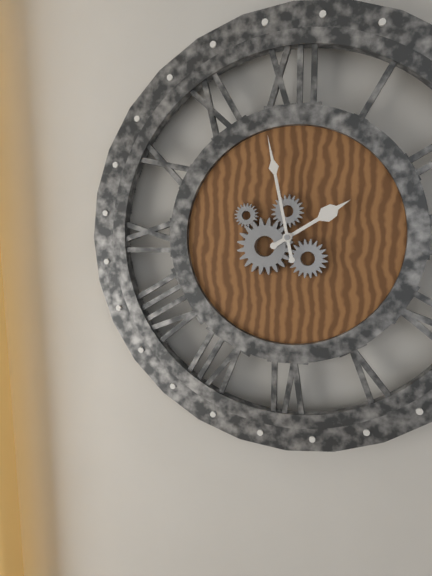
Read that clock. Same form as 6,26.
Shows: 1,58
